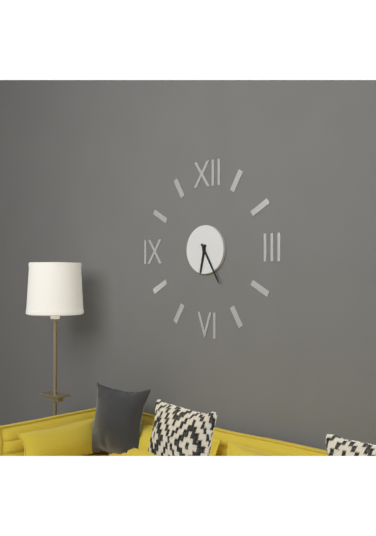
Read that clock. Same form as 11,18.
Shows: 6,25
